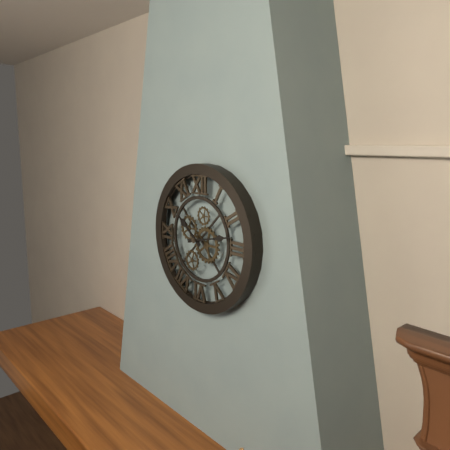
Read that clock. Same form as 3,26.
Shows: 10,13
